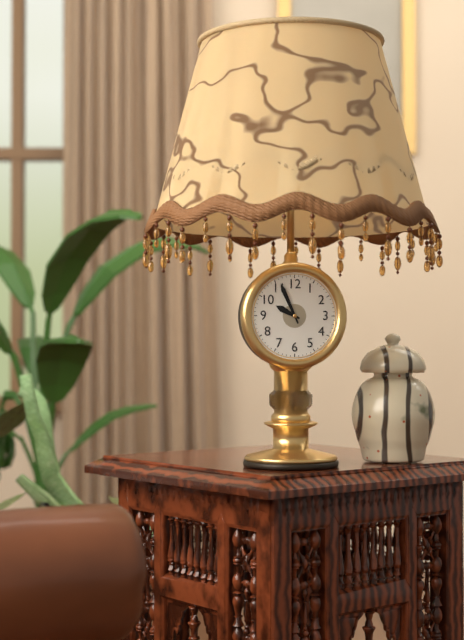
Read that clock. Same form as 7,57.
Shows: 9,56
